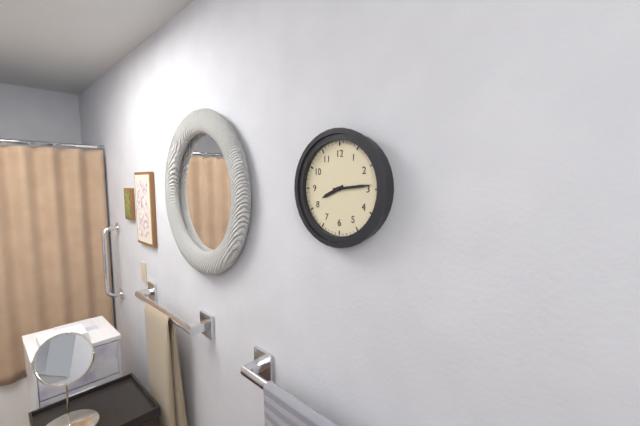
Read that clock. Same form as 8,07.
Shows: 8,14
